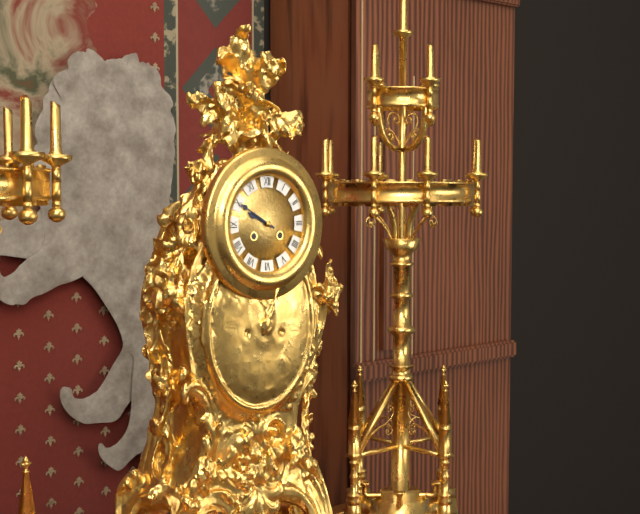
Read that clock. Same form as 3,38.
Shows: 9,50
